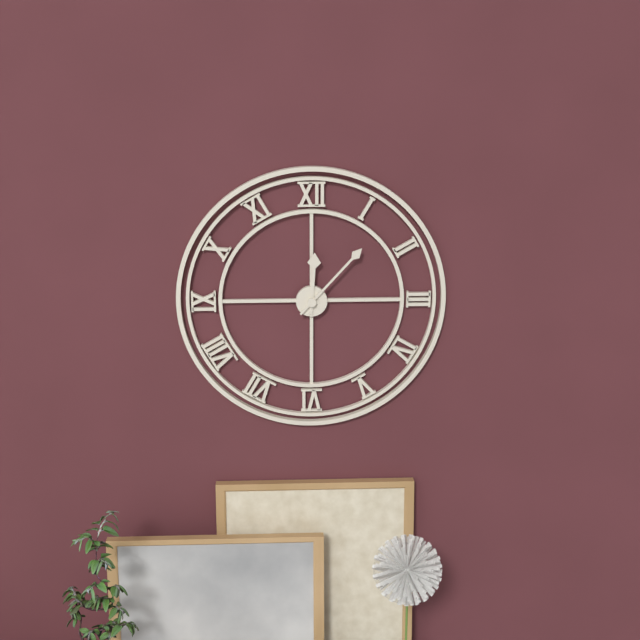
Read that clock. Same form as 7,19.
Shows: 12,07
